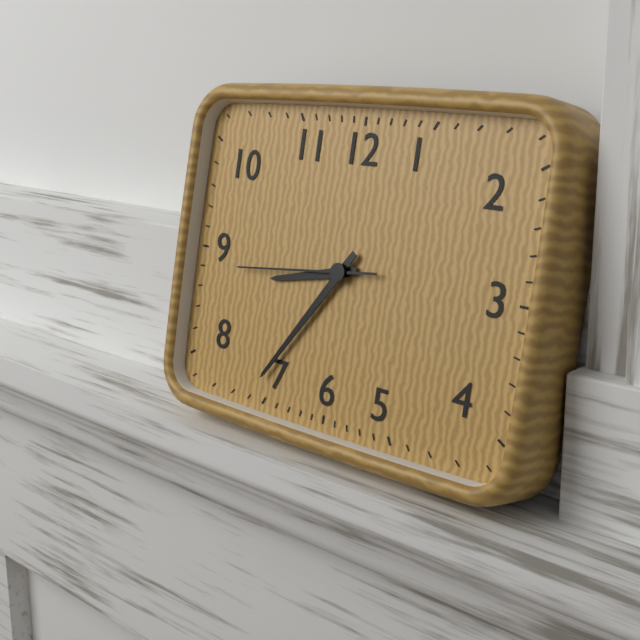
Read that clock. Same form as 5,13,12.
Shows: 8,36,44
